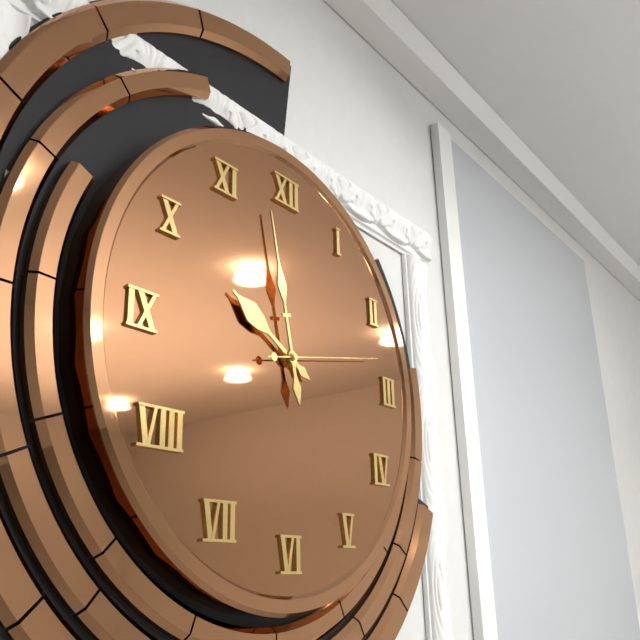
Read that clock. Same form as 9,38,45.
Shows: 9,58,13
